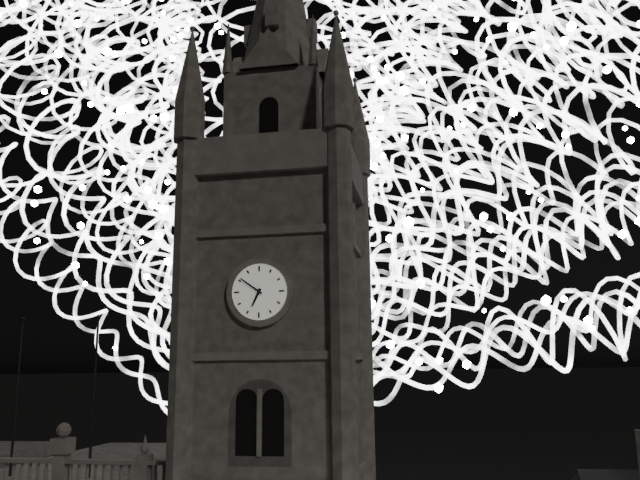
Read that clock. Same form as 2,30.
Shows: 6,51
